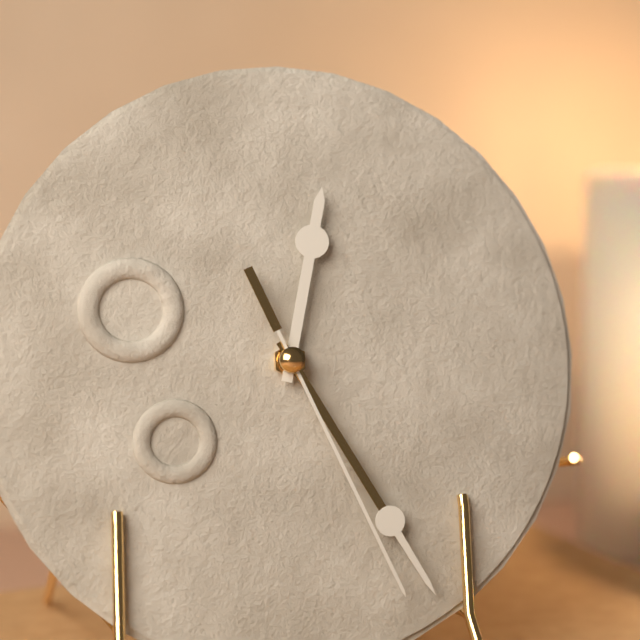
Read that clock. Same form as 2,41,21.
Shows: 12,25,26
